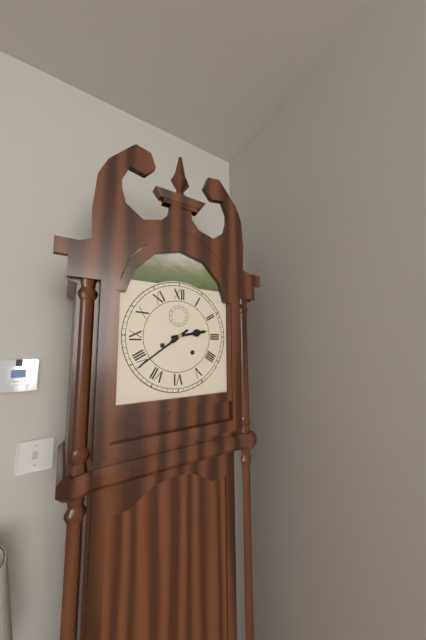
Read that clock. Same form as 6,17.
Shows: 2,39
